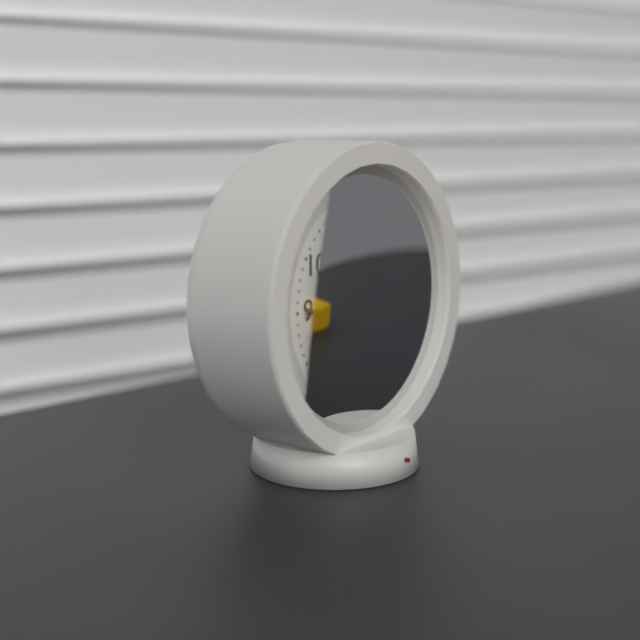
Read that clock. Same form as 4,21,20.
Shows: 10,45,39
